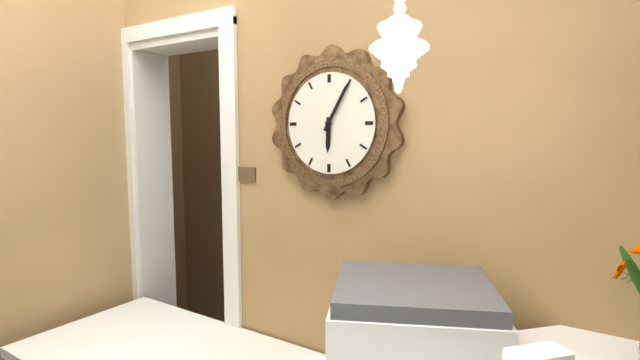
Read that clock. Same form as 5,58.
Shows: 6,05
